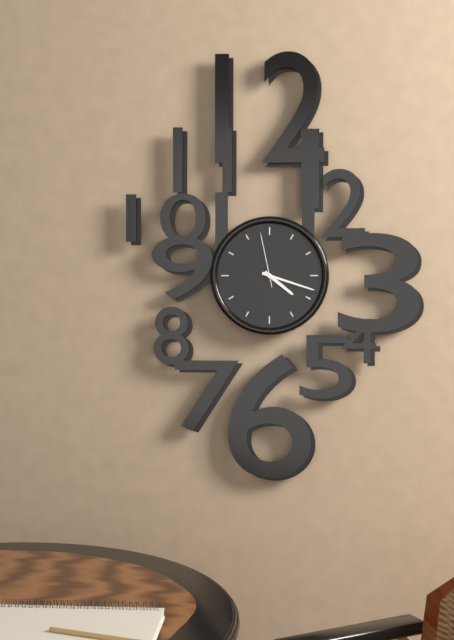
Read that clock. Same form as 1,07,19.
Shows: 4,18,58
